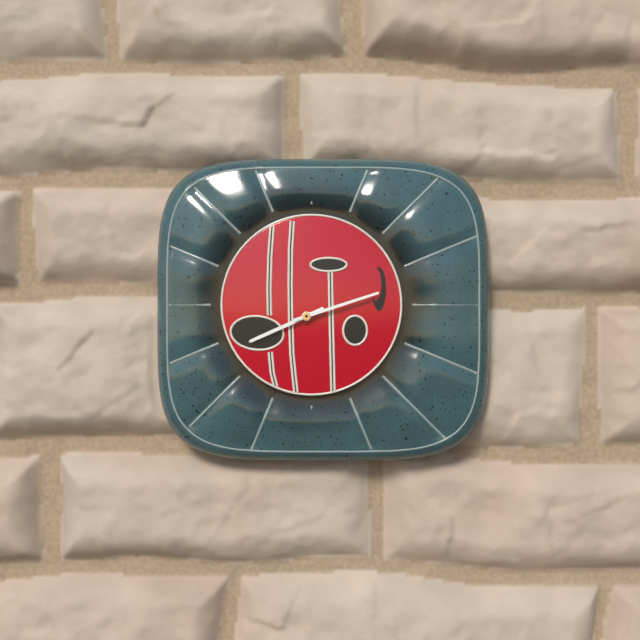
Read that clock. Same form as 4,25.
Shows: 8,12
